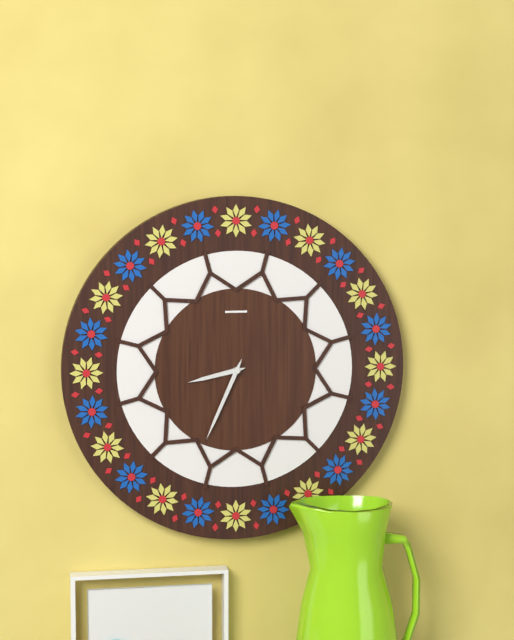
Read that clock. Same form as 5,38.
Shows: 8,34
